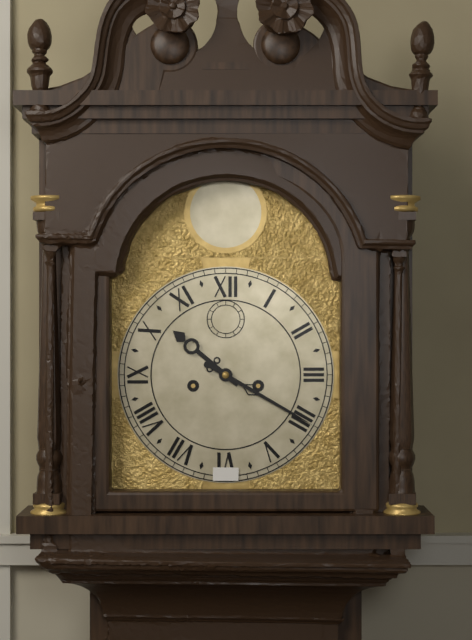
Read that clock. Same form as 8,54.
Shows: 10,20
